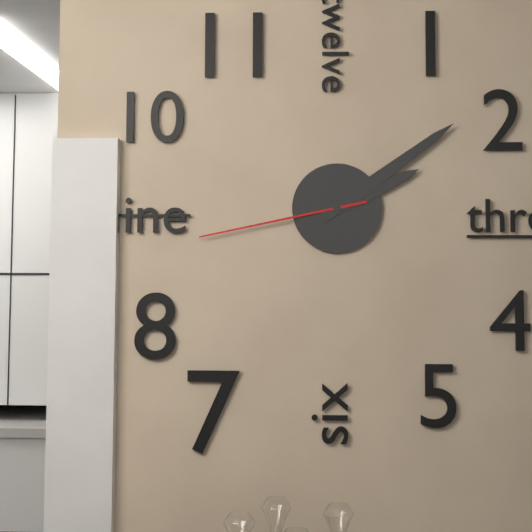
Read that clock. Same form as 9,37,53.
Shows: 2,09,43
